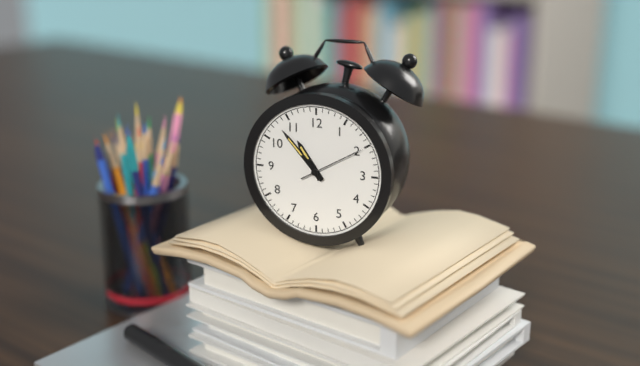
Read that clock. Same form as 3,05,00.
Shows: 10,53,10
